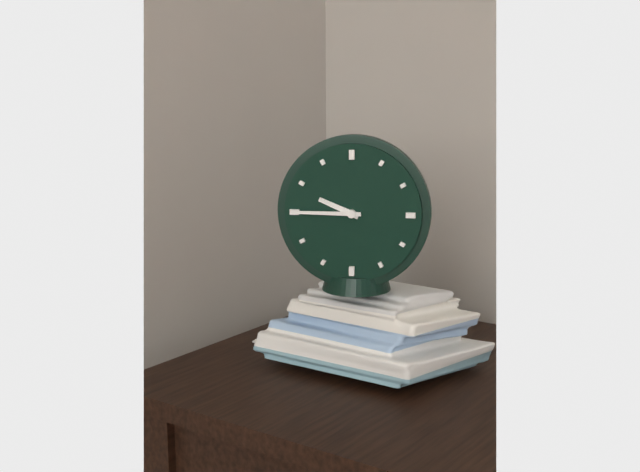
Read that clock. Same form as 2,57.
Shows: 9,45
